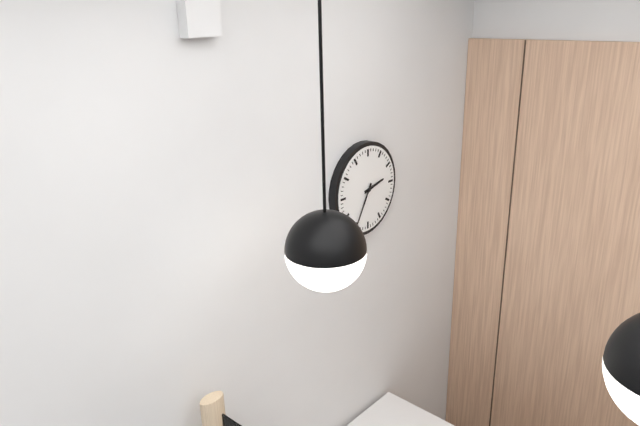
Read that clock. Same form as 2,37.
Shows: 2,35
